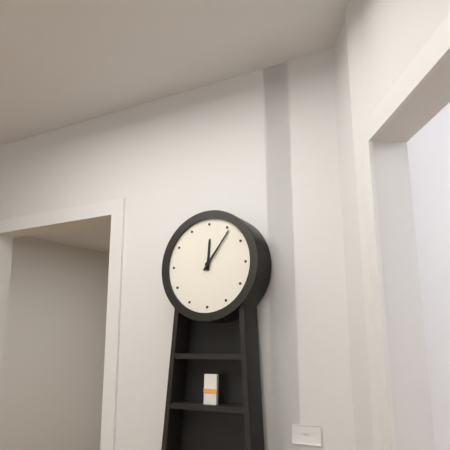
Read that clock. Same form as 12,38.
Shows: 12,06
